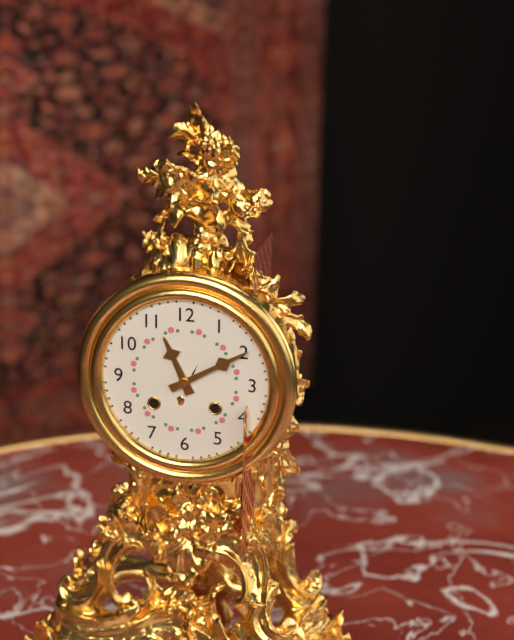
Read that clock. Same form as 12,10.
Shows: 11,10
